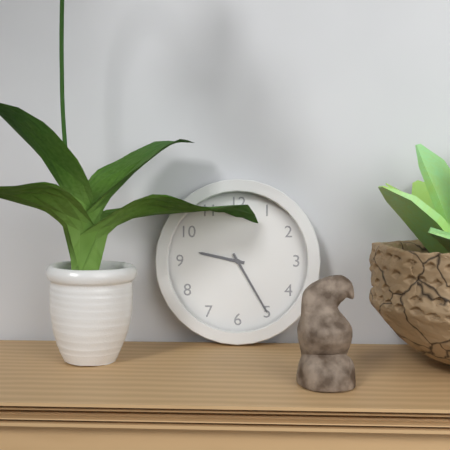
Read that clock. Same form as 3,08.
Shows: 9,25
